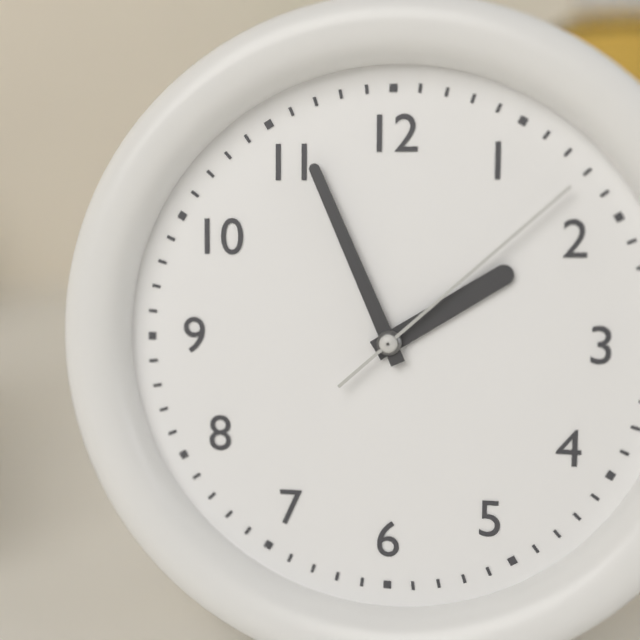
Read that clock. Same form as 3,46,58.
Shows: 1,56,08
